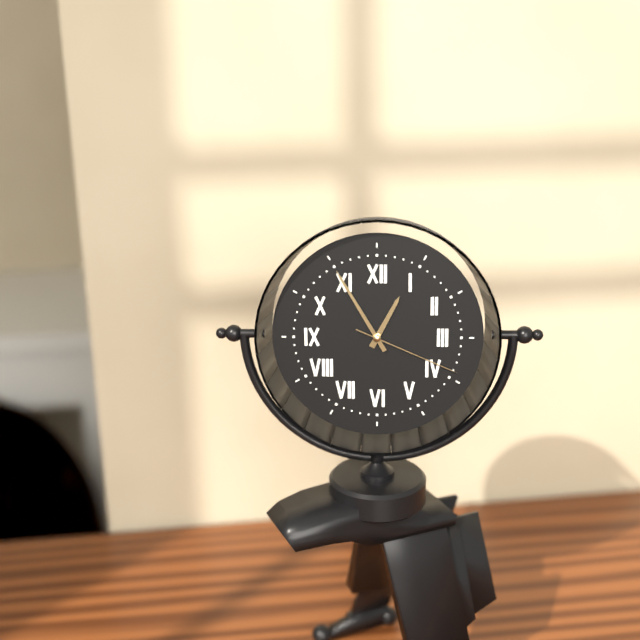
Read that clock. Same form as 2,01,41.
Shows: 12,55,19
